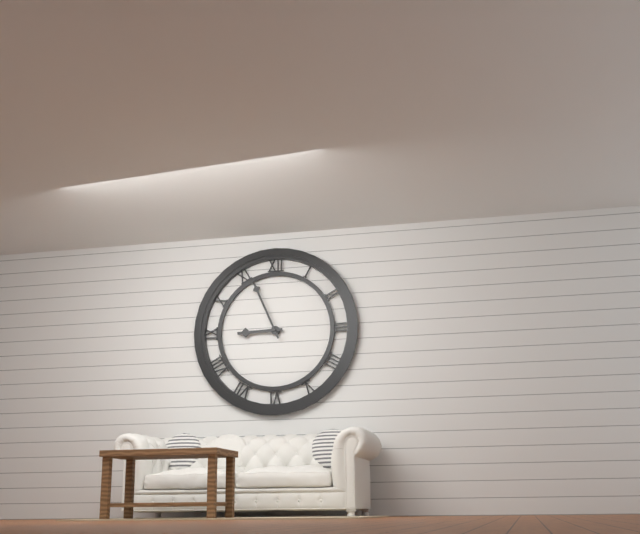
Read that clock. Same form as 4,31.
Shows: 8,56
